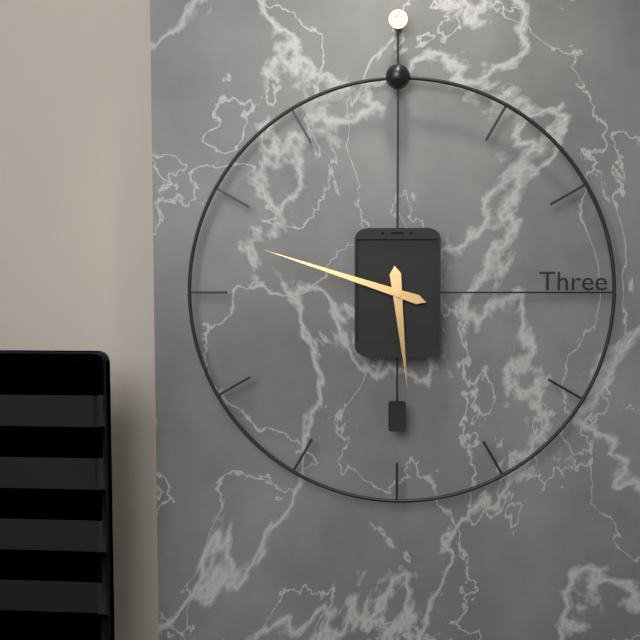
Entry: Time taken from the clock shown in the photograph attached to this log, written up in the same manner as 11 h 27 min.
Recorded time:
5 h 48 min
